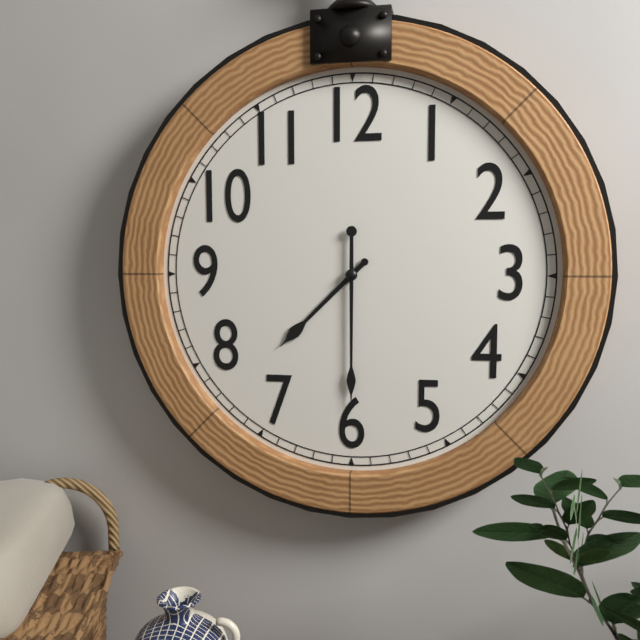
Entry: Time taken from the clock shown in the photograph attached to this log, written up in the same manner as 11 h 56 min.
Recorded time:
7 h 30 min
